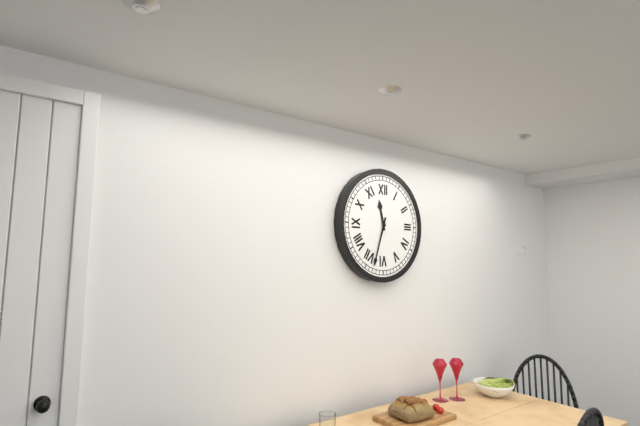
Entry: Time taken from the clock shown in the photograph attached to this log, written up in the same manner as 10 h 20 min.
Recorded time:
11 h 33 min
